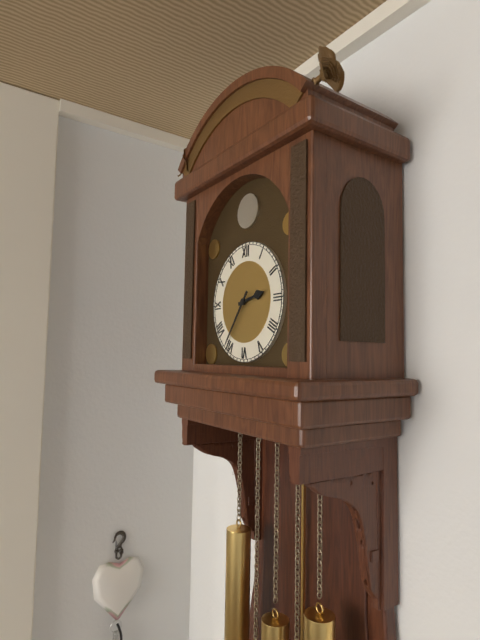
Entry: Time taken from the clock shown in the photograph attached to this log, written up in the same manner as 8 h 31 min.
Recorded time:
2 h 36 min
